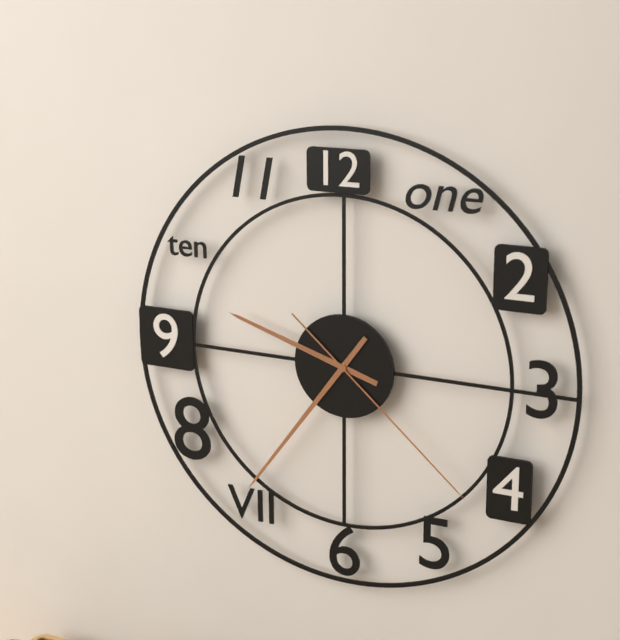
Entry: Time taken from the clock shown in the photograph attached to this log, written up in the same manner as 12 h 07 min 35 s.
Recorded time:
9 h 36 min 22 s
